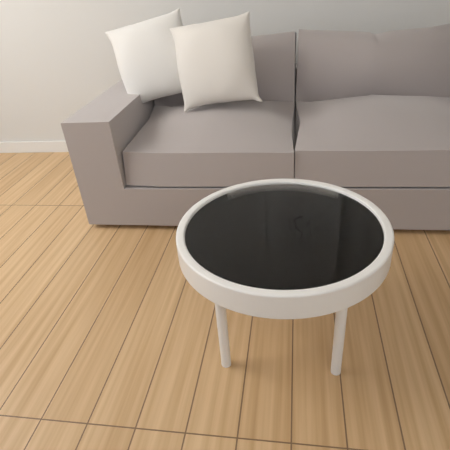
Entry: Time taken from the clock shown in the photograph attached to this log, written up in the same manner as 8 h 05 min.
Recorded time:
6 h 35 min
